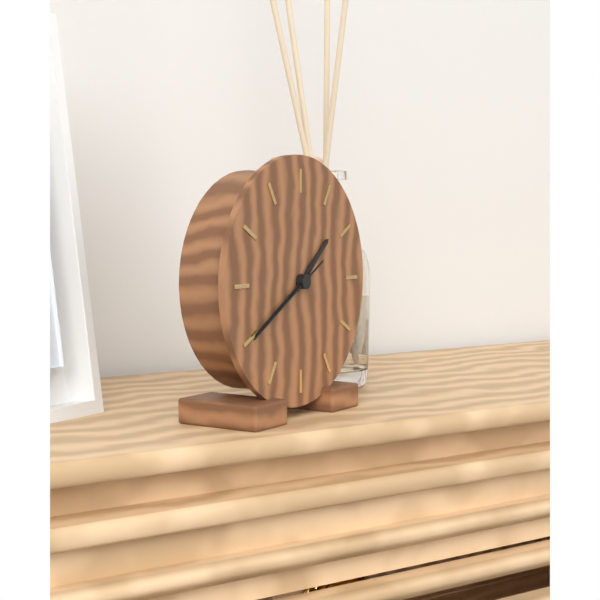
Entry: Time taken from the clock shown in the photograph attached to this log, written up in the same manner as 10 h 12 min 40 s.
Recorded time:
1 h 40 min 40 s
